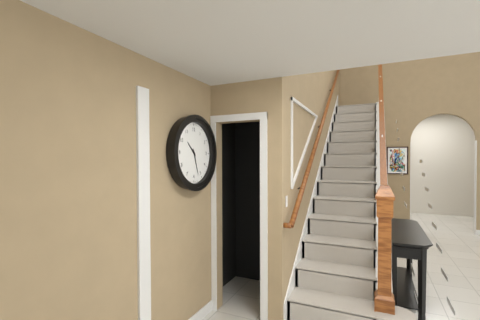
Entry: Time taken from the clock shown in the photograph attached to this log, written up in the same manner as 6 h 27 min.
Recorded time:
10 h 27 min
